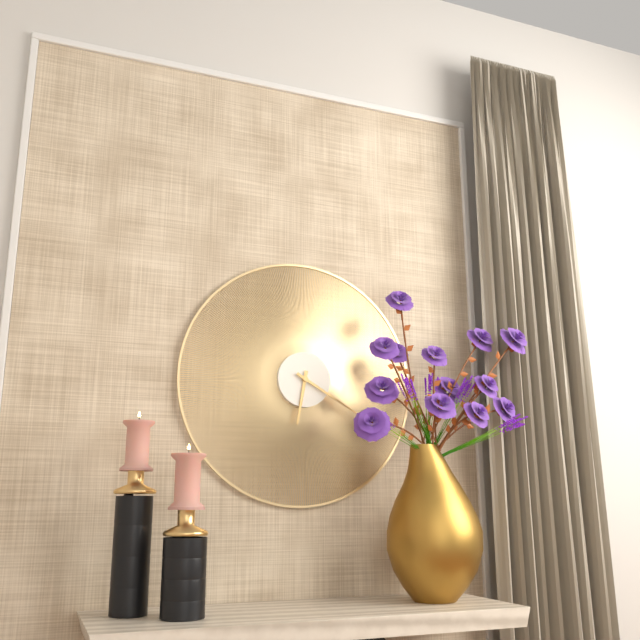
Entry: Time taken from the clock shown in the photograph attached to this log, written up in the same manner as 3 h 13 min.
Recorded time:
6 h 20 min
